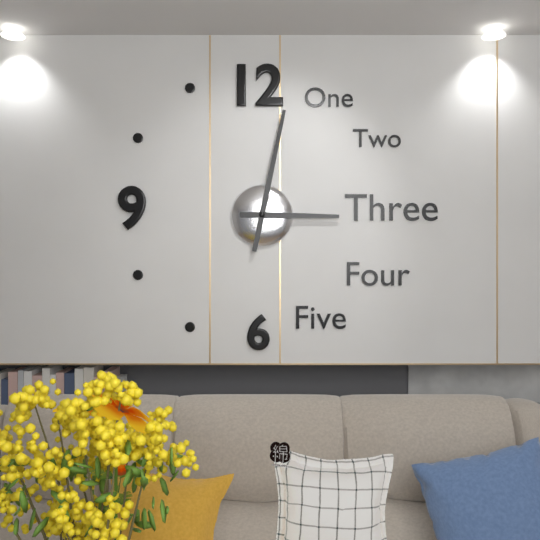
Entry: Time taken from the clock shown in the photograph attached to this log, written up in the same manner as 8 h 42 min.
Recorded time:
3 h 02 min
